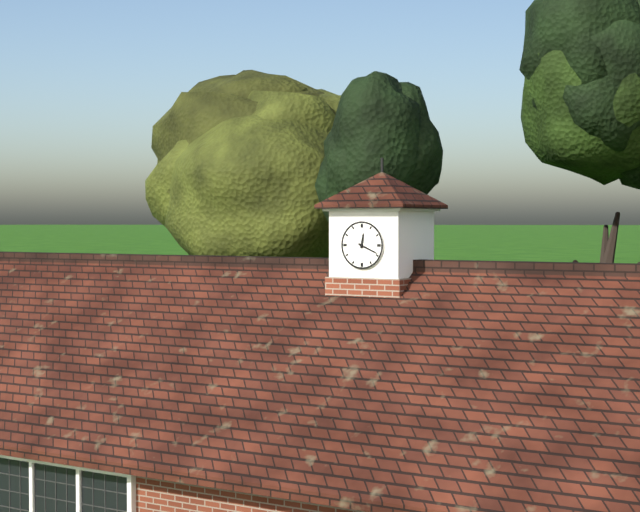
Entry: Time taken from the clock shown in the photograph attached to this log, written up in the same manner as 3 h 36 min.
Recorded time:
12 h 19 min
